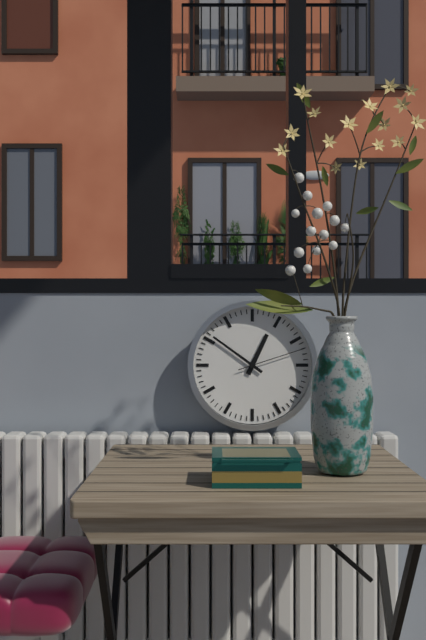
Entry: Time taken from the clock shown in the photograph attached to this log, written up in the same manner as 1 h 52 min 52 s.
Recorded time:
12 h 51 min 12 s
